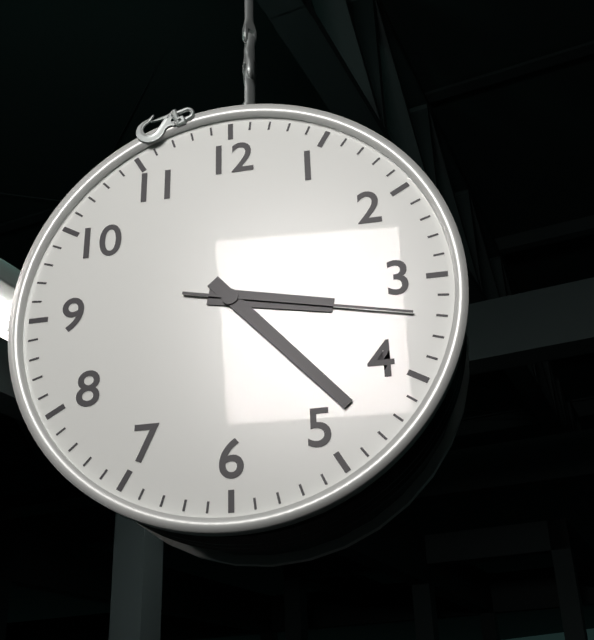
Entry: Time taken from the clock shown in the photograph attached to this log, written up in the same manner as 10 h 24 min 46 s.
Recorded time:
3 h 23 min 17 s
